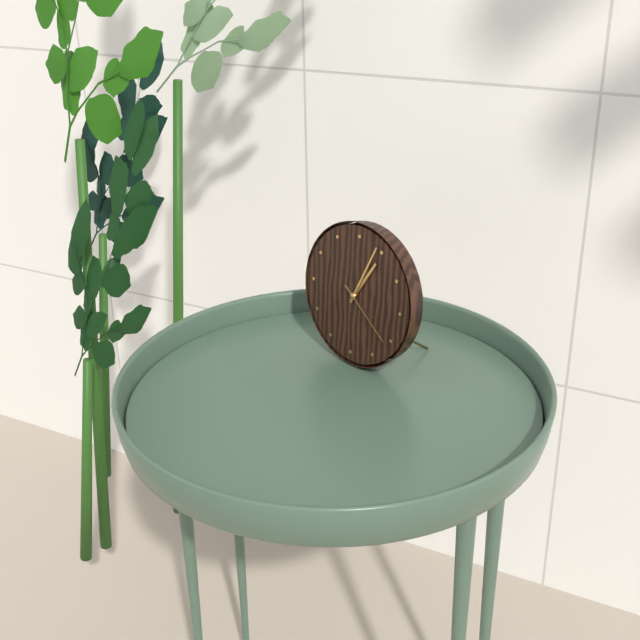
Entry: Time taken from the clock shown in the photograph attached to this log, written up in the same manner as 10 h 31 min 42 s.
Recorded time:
1 h 04 min 21 s
